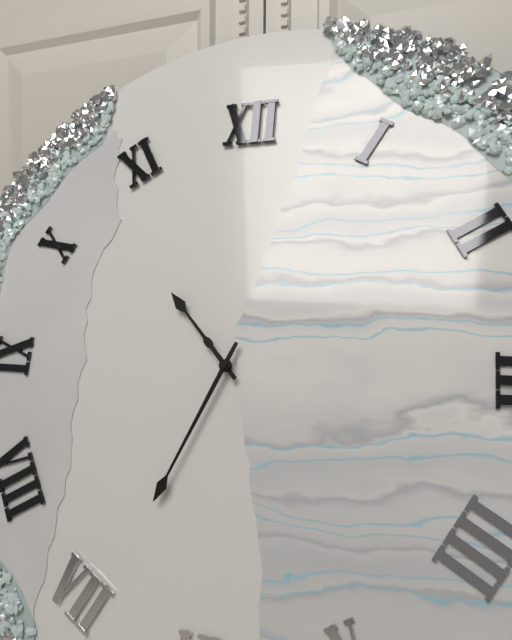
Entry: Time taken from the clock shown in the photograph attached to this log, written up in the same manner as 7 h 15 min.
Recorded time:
10 h 34 min
